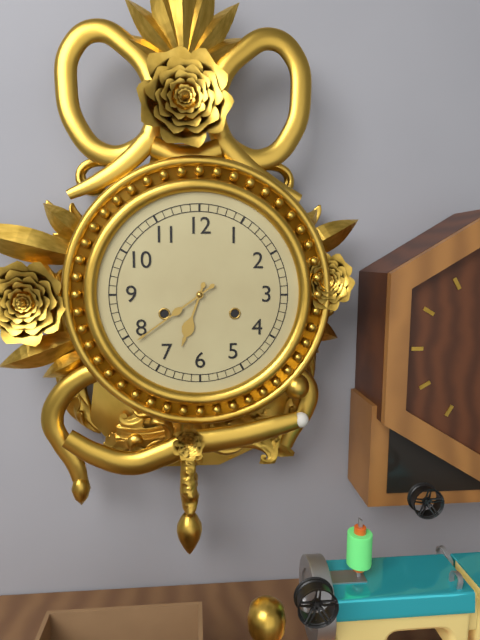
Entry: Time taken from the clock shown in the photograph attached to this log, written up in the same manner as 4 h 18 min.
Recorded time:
6 h 39 min
